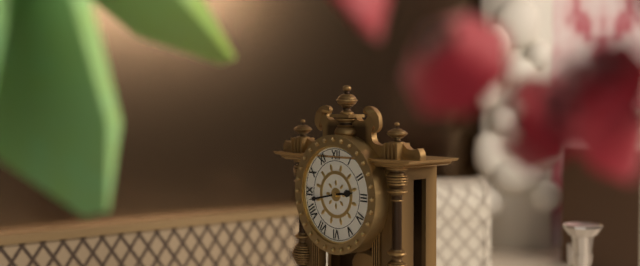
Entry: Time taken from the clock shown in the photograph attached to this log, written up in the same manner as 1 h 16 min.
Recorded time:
2 h 43 min
